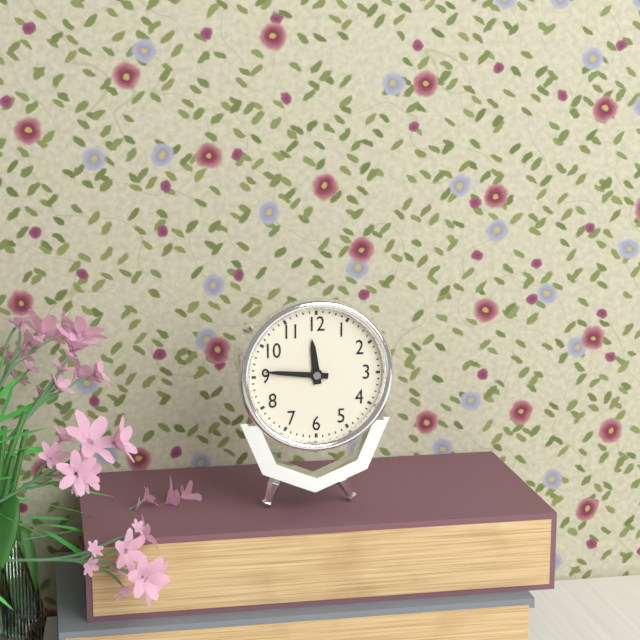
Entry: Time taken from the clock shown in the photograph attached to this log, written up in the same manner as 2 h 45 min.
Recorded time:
11 h 46 min
